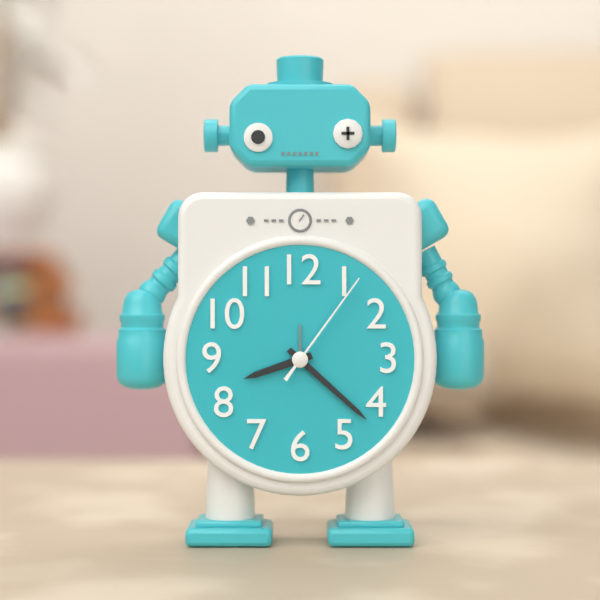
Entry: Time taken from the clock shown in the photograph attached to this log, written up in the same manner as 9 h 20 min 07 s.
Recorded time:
8 h 22 min 06 s
